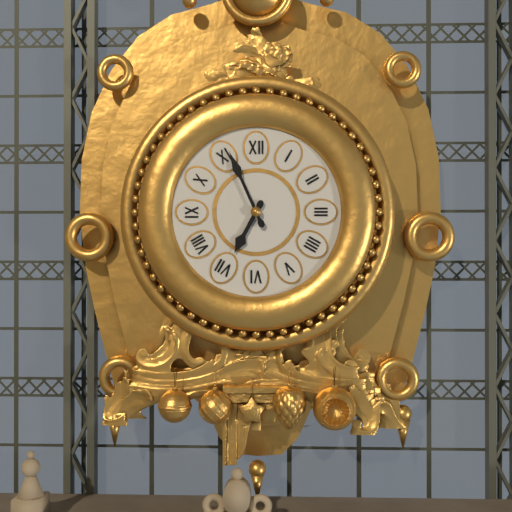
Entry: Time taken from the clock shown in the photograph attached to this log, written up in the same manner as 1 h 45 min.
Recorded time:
6 h 56 min
